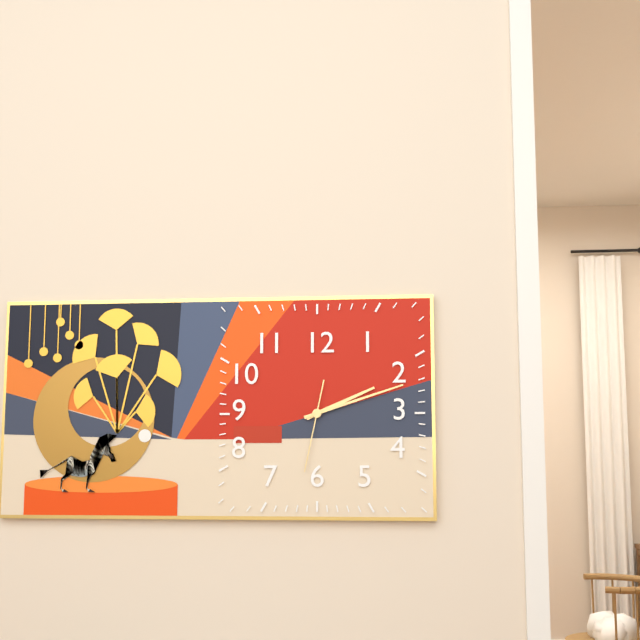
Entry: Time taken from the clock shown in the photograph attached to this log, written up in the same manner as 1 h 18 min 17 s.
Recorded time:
2 h 12 min 32 s
